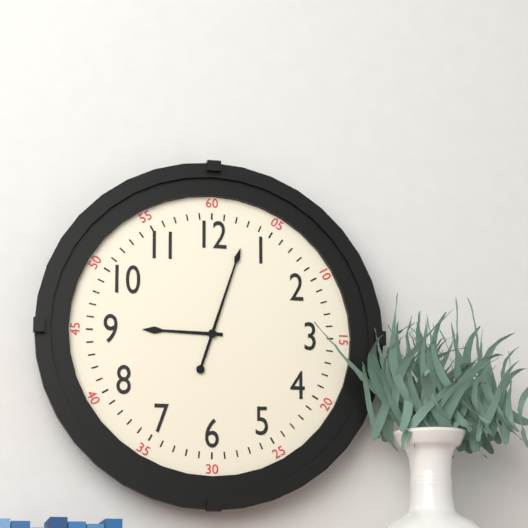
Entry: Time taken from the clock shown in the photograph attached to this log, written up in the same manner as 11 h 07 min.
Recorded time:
9 h 03 min
